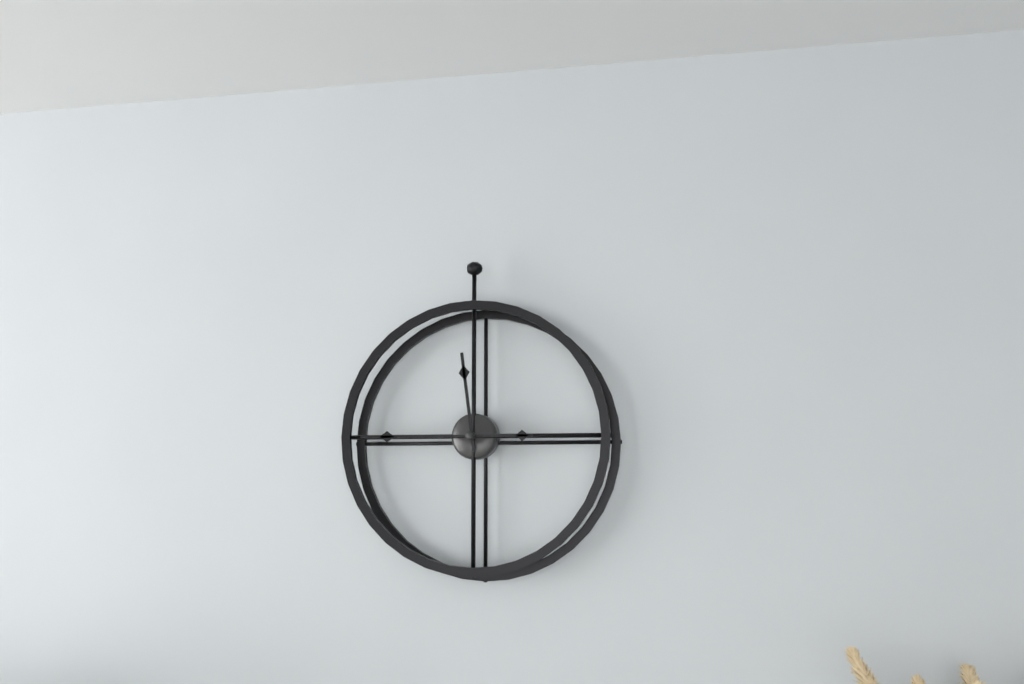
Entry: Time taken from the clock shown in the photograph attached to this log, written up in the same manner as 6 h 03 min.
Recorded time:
11 h 45 min
